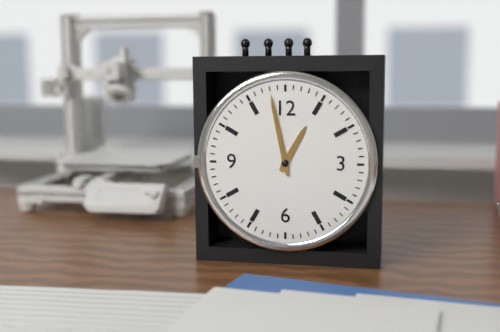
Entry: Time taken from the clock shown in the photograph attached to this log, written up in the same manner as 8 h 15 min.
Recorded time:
12 h 58 min
